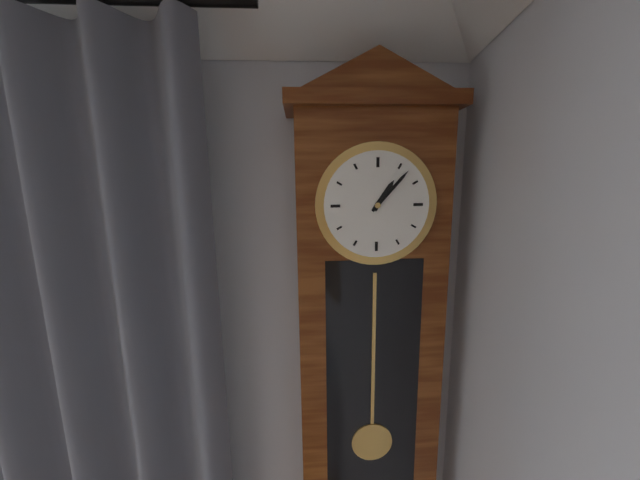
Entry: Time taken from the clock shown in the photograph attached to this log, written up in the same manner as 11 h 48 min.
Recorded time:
1 h 07 min
